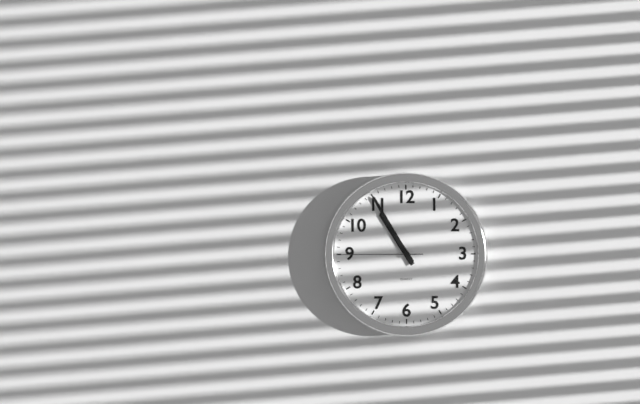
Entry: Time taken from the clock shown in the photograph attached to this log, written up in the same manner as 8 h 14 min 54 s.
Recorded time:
10 h 55 min 45 s
